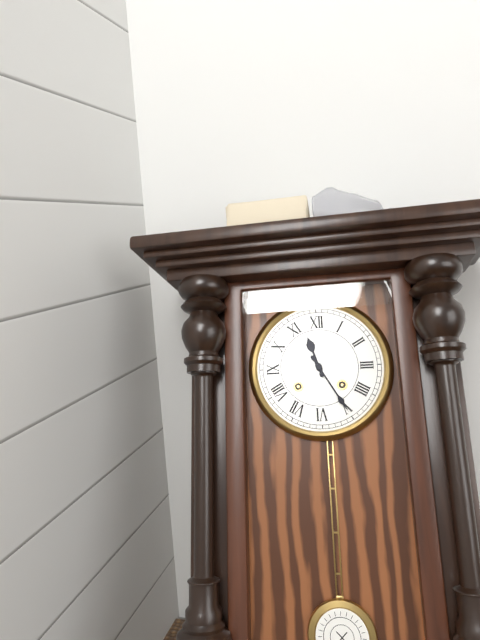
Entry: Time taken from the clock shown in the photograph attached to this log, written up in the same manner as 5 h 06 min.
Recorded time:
11 h 25 min
